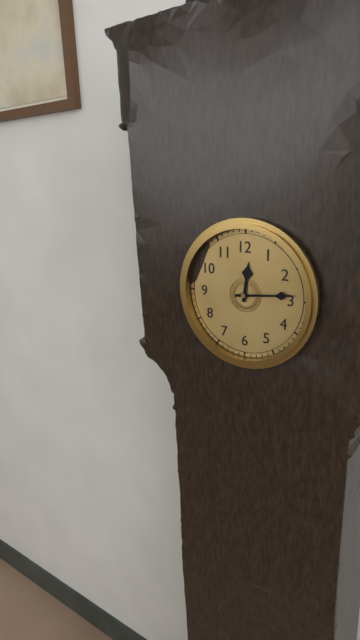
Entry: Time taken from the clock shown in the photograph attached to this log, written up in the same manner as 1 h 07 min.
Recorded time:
12 h 14 min
